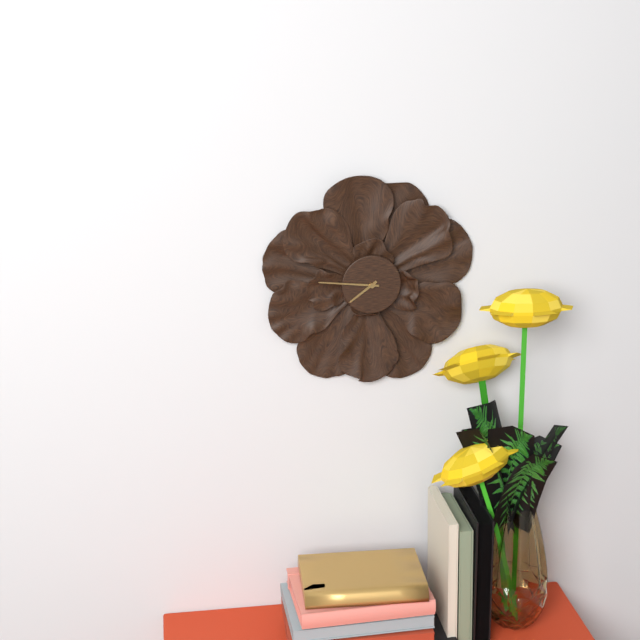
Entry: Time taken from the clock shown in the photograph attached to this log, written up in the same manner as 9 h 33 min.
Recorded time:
7 h 46 min
